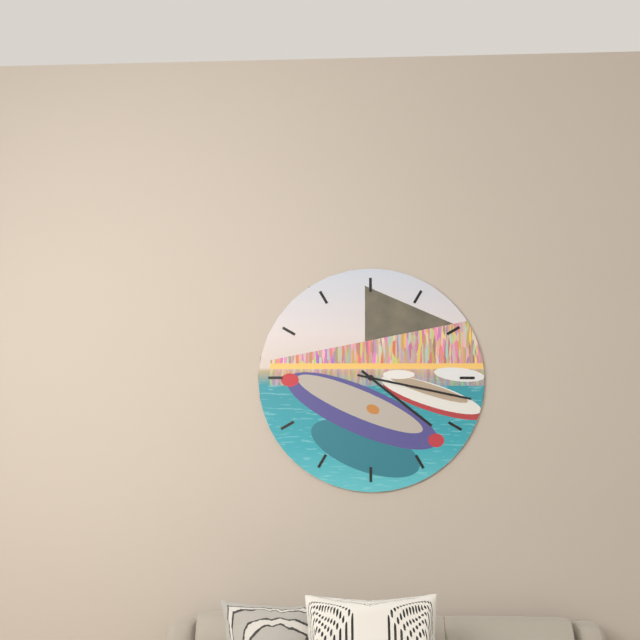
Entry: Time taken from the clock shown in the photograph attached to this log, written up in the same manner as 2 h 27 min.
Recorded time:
4 h 17 min
